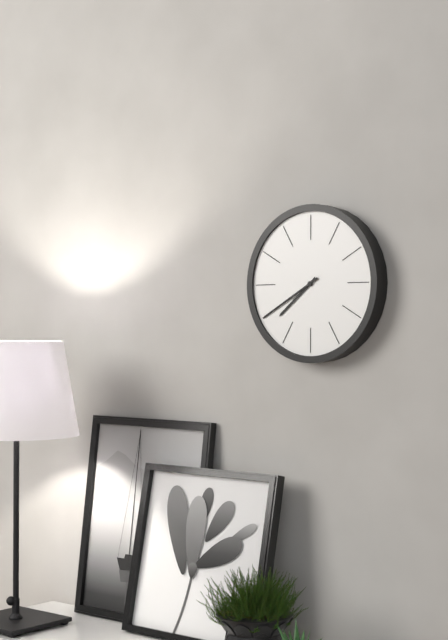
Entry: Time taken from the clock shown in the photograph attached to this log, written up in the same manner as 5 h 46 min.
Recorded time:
7 h 40 min
